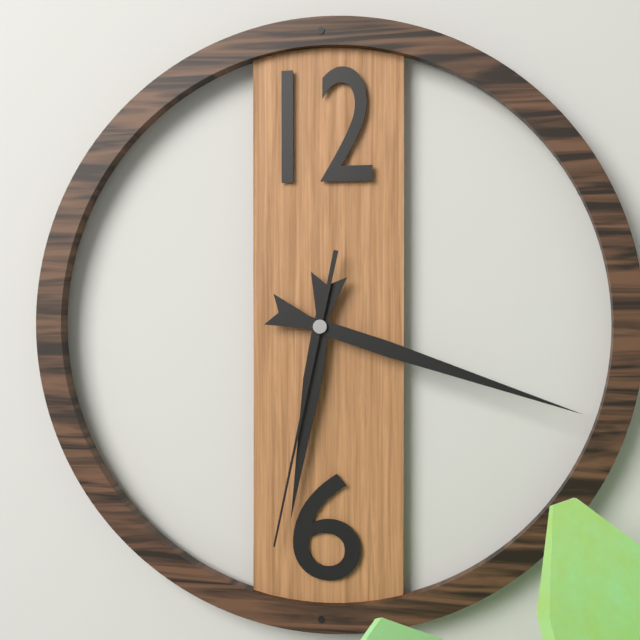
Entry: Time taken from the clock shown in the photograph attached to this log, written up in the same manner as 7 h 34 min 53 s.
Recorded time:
6 h 18 min 32 s
